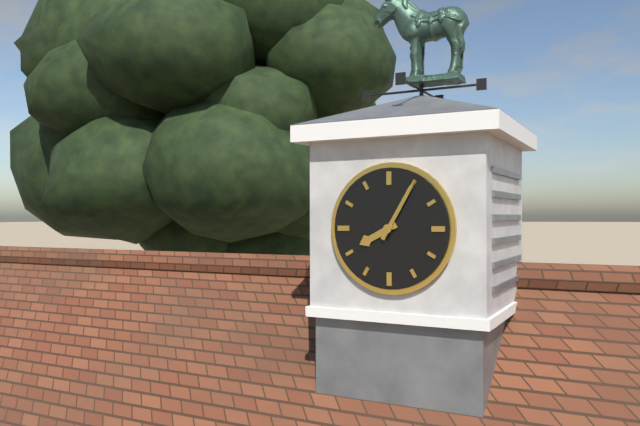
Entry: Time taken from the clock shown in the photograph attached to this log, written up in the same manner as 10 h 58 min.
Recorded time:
8 h 05 min
